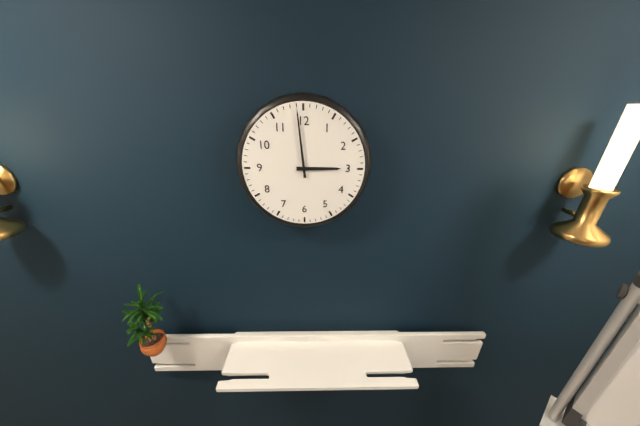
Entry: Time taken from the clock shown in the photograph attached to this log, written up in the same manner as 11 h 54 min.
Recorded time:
2 h 59 min
